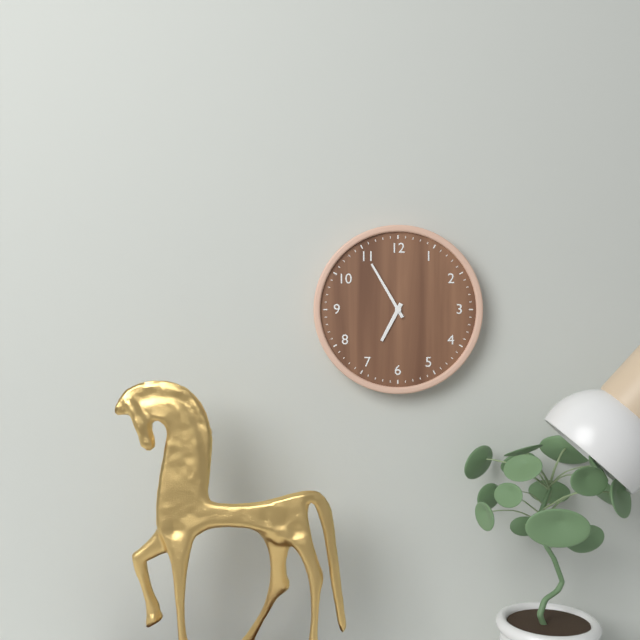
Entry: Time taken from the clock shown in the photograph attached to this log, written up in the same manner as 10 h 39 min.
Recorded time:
6 h 55 min
